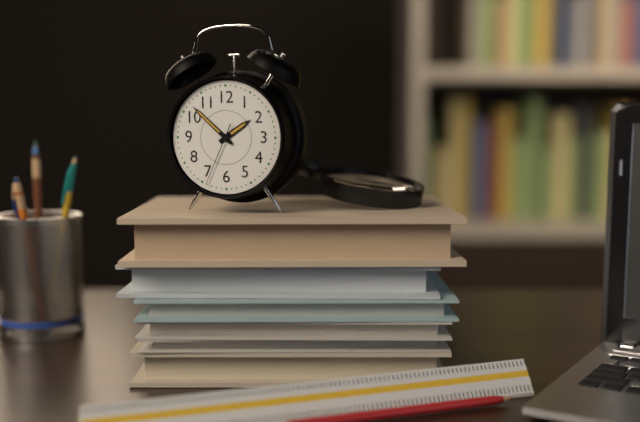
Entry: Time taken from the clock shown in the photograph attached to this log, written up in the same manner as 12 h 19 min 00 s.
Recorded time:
1 h 52 min 34 s
